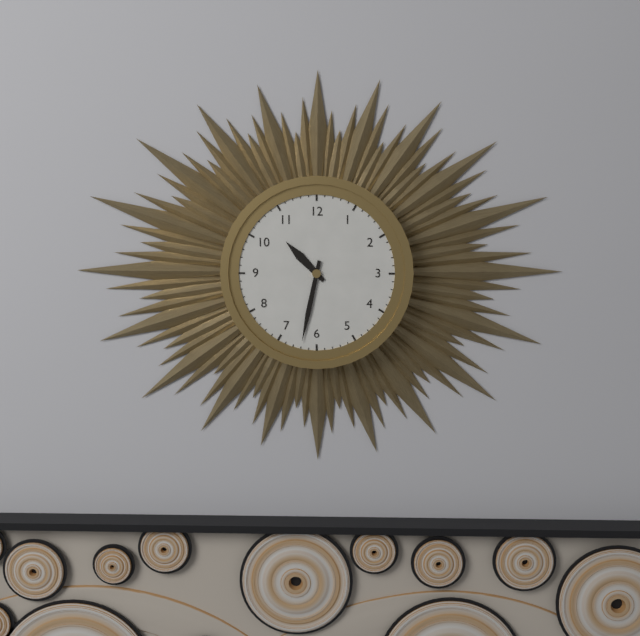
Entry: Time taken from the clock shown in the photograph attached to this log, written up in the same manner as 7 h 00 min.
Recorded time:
10 h 32 min
